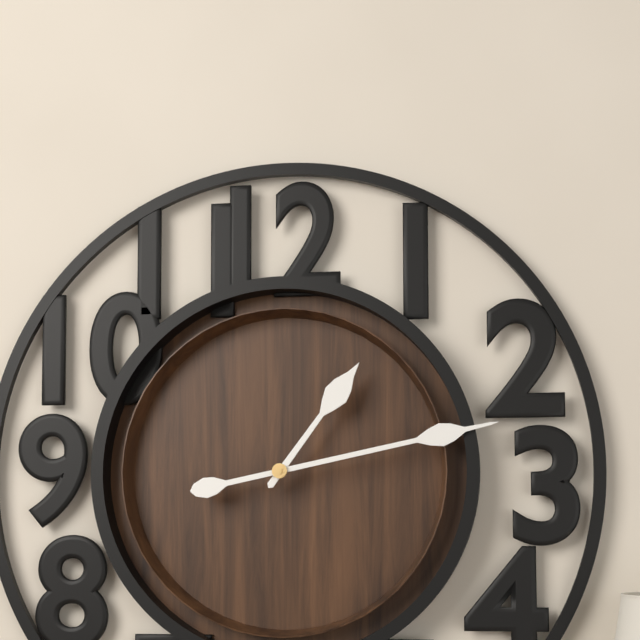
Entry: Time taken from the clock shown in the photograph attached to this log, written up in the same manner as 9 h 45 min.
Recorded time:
1 h 13 min
